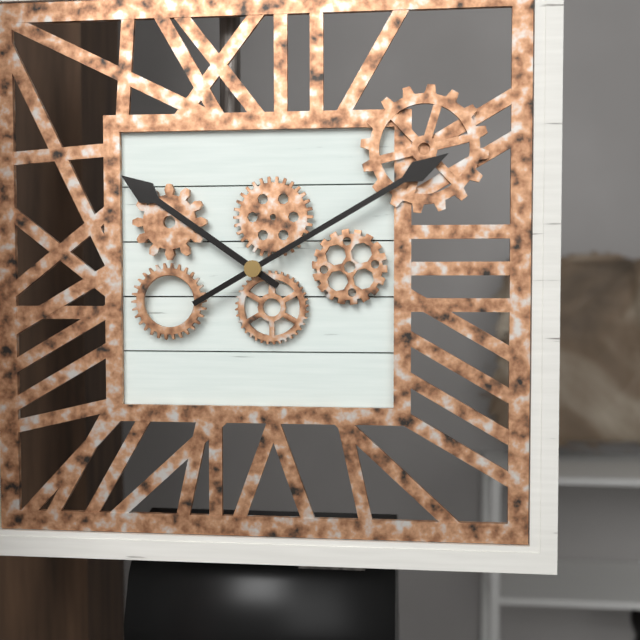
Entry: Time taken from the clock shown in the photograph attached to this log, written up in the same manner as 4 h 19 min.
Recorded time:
10 h 10 min
